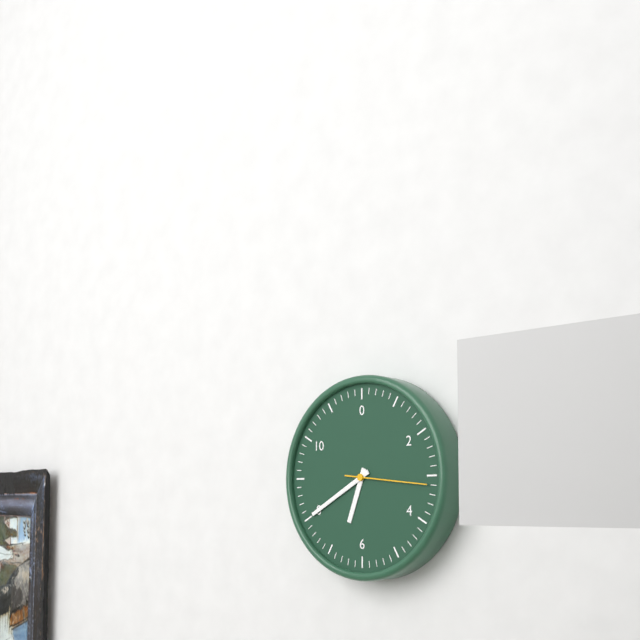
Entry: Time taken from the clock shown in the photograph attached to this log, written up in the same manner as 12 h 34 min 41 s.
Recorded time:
6 h 40 min 16 s
